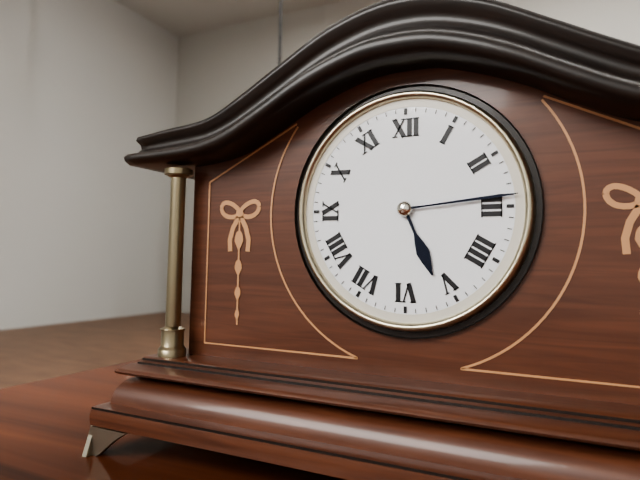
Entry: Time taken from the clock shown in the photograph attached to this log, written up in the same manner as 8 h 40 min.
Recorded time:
5 h 14 min
